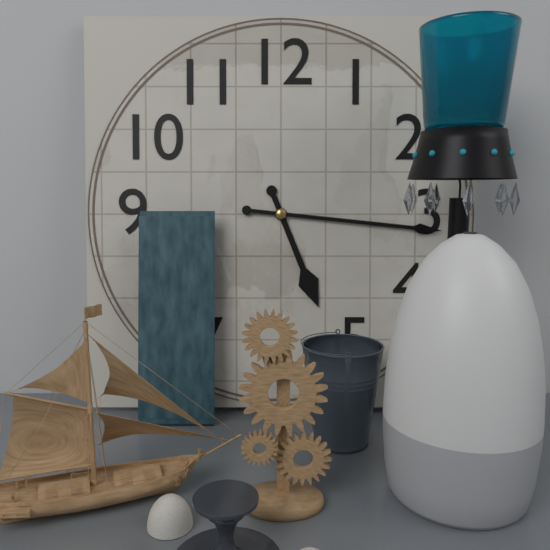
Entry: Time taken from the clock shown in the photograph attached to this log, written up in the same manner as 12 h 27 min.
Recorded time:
5 h 16 min
